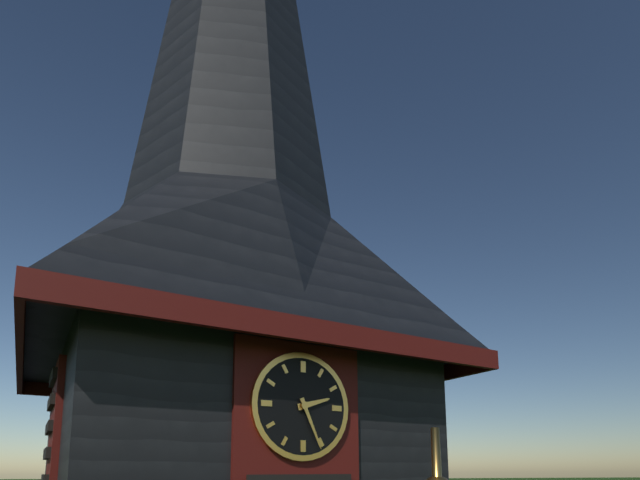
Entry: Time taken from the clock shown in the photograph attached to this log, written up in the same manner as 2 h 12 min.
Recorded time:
2 h 26 min
